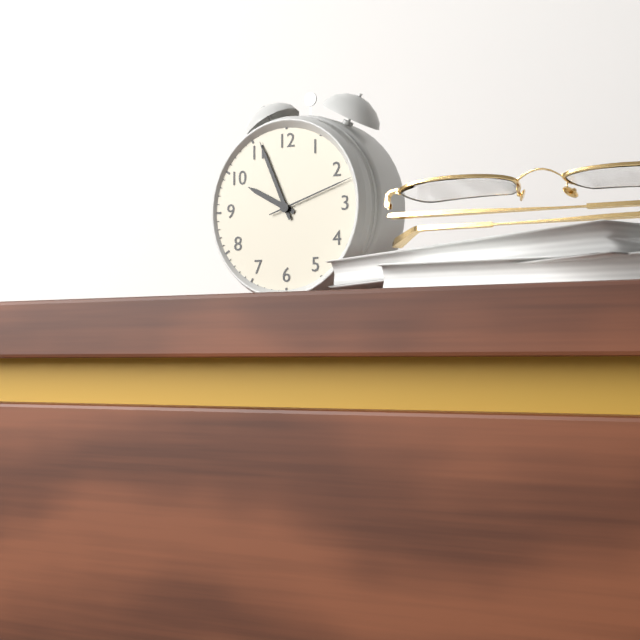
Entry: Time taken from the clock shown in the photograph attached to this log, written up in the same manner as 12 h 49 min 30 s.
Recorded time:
9 h 56 min 12 s
